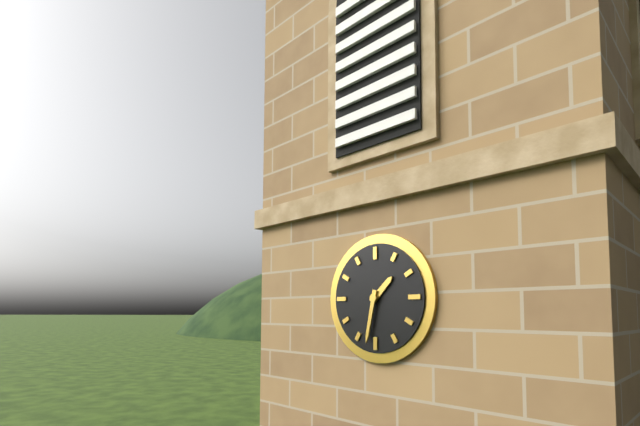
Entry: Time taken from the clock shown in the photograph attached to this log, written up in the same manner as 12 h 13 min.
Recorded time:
1 h 32 min
